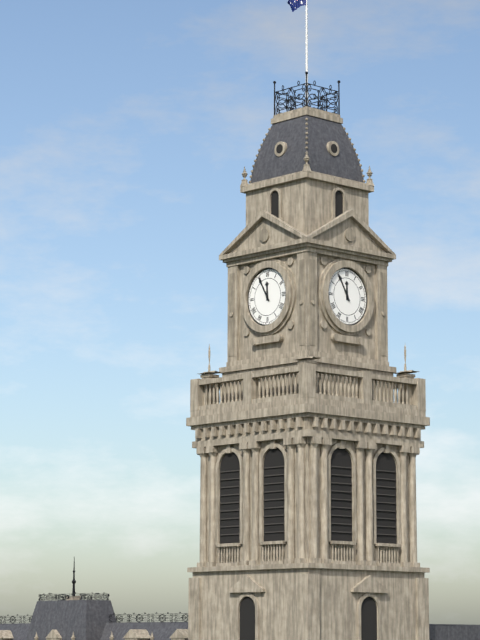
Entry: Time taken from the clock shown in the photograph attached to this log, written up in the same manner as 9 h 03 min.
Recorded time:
11 h 55 min
